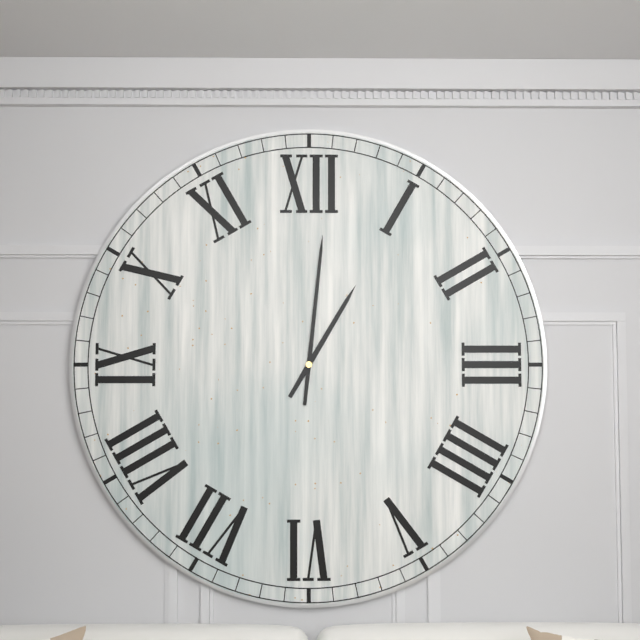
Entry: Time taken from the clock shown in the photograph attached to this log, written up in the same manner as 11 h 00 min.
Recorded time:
1 h 01 min
